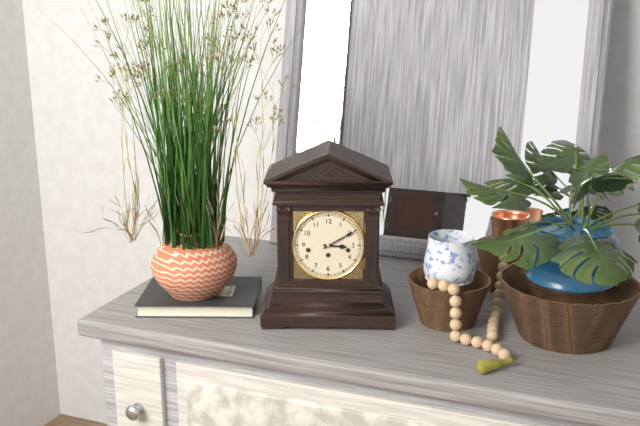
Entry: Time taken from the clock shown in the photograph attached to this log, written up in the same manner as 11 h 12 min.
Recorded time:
3 h 10 min
